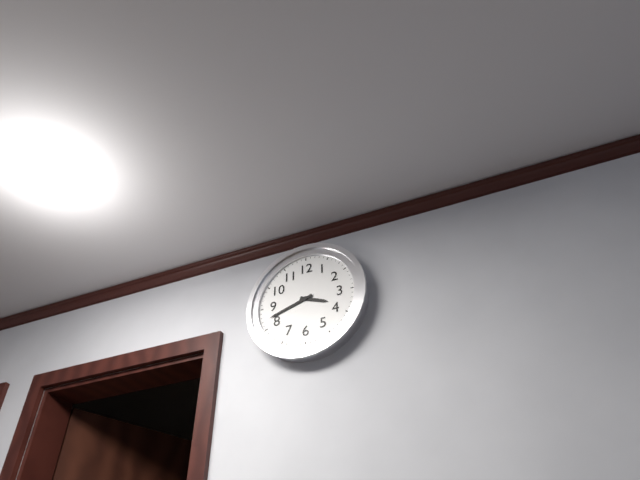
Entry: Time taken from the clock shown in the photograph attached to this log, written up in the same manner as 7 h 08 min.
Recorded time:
3 h 42 min
